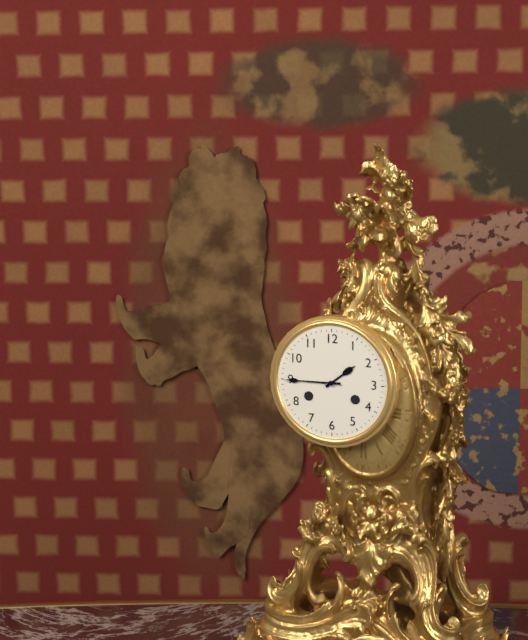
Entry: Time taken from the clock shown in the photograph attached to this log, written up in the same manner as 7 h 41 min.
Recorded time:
1 h 45 min
